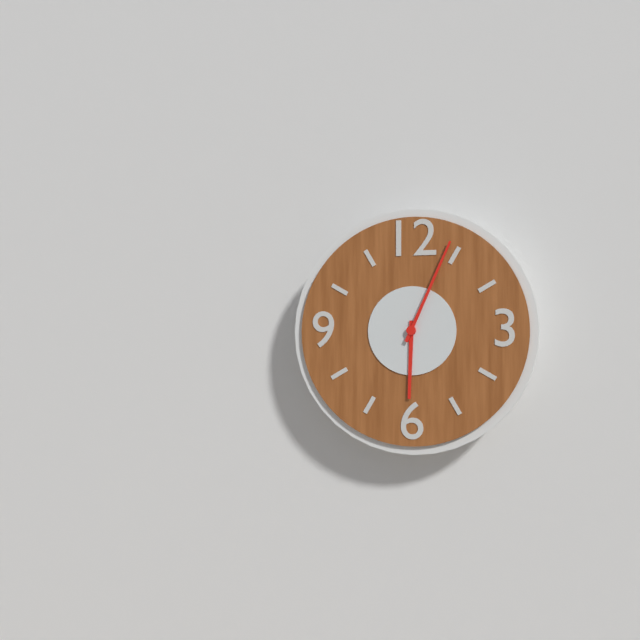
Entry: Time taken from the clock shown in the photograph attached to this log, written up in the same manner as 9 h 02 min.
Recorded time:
6 h 04 min
